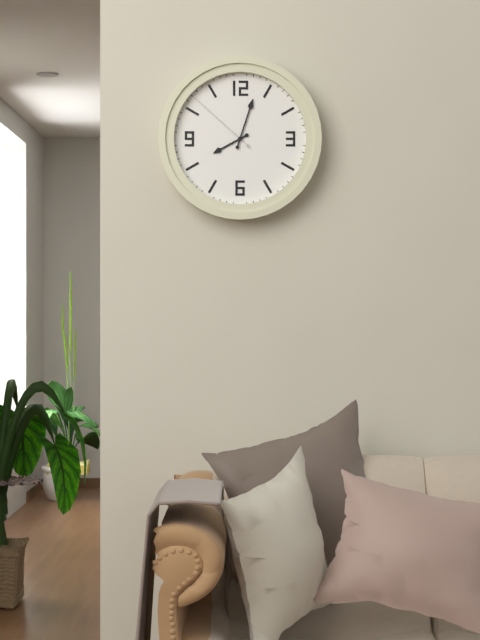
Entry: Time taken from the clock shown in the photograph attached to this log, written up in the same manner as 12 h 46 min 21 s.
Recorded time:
8 h 03 min 52 s
